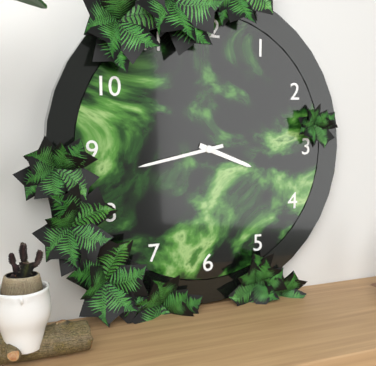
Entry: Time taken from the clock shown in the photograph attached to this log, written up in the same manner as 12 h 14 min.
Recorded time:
3 h 43 min
